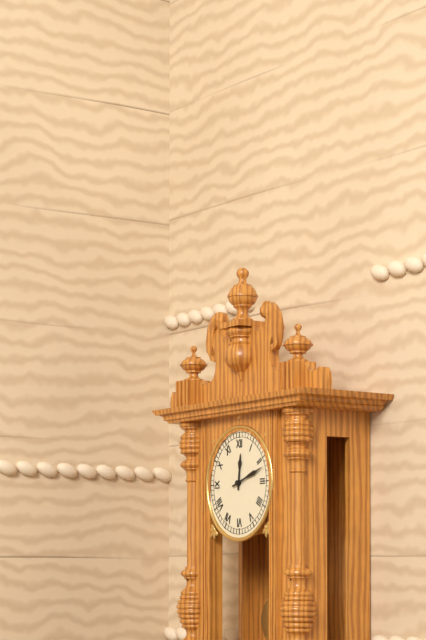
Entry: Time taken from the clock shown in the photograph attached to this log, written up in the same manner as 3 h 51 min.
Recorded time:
12 h 12 min
